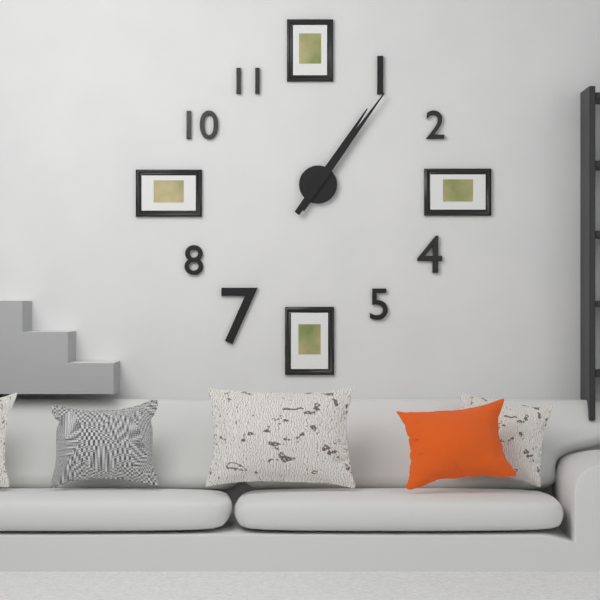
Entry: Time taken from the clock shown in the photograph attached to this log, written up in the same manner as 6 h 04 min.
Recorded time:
1 h 06 min
